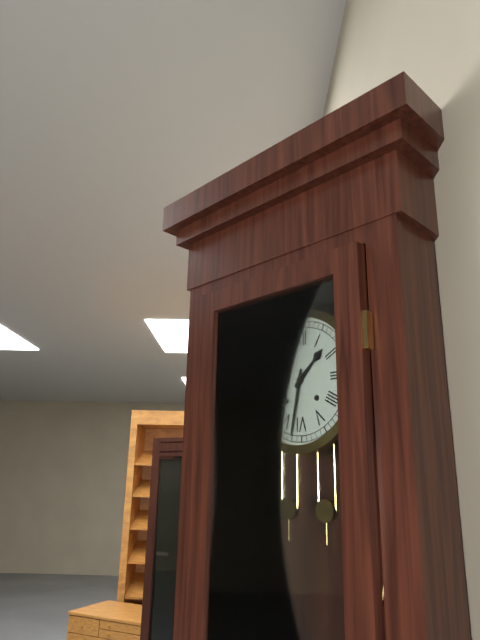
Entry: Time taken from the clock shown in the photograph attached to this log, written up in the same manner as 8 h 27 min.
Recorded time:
1 h 32 min
